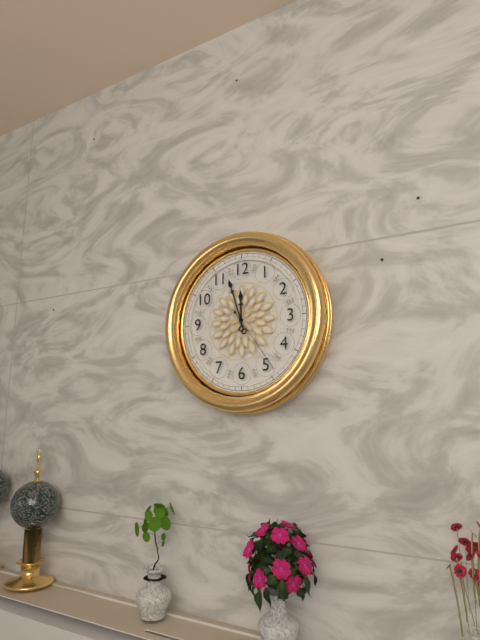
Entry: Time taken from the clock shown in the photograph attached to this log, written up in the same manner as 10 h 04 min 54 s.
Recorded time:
11 h 57 min 24 s
